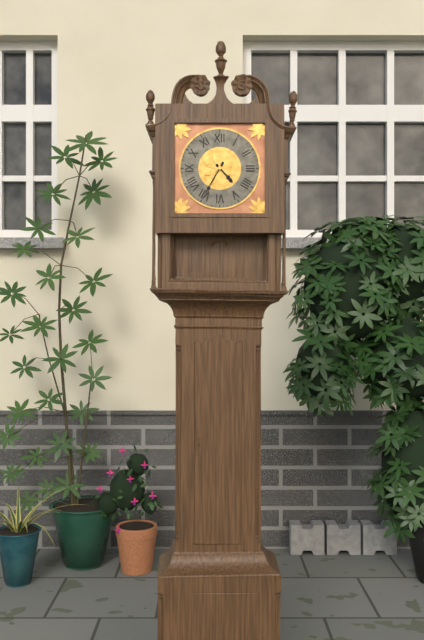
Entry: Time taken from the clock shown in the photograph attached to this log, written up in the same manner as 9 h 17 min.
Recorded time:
4 h 35 min
